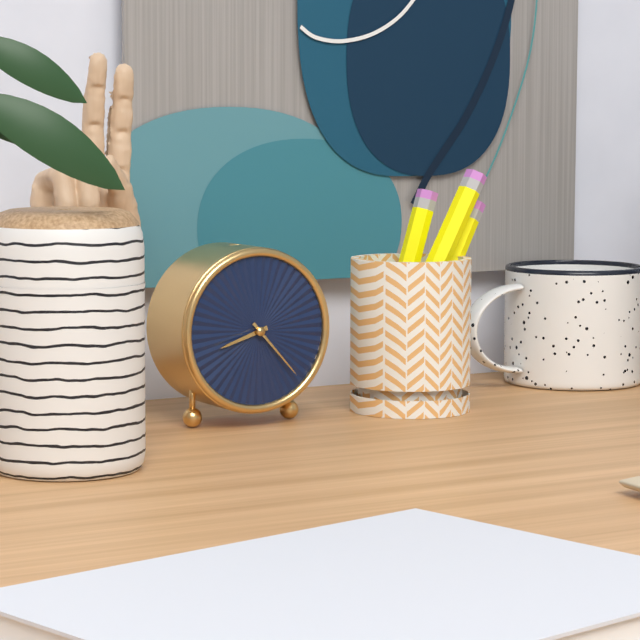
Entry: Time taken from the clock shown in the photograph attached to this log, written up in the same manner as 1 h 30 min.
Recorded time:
8 h 23 min
